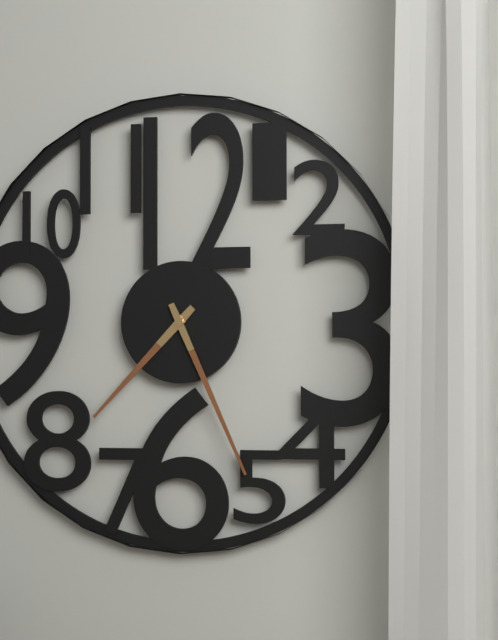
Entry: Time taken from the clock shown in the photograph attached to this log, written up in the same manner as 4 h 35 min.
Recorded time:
7 h 26 min
